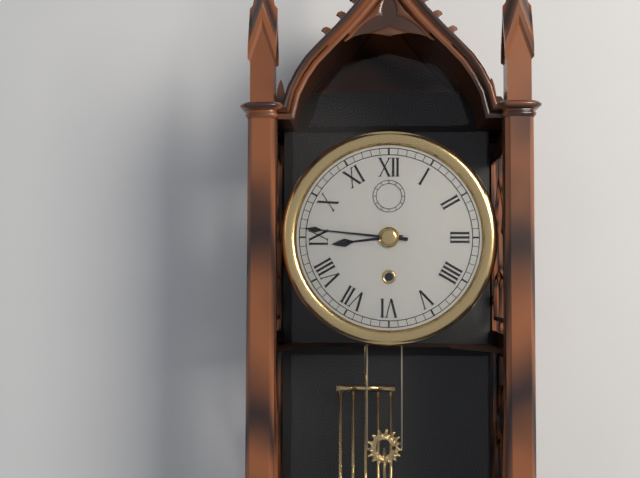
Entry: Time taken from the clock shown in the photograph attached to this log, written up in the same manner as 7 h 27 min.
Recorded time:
8 h 46 min
